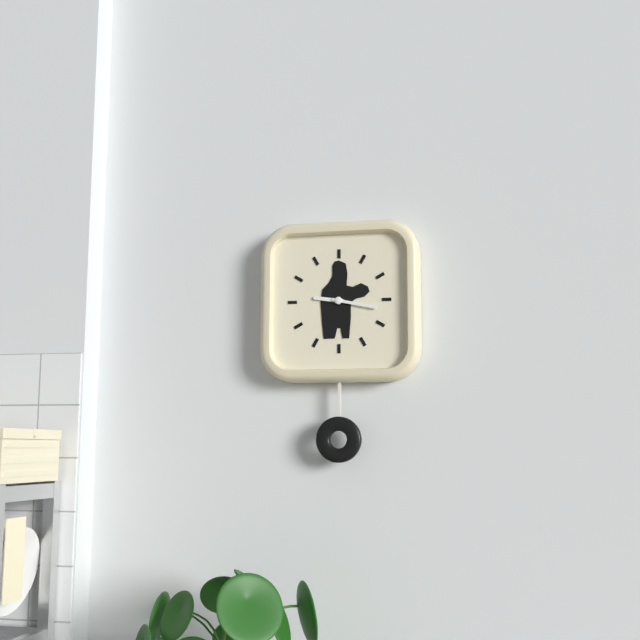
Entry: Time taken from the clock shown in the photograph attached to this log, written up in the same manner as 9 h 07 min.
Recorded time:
9 h 17 min
